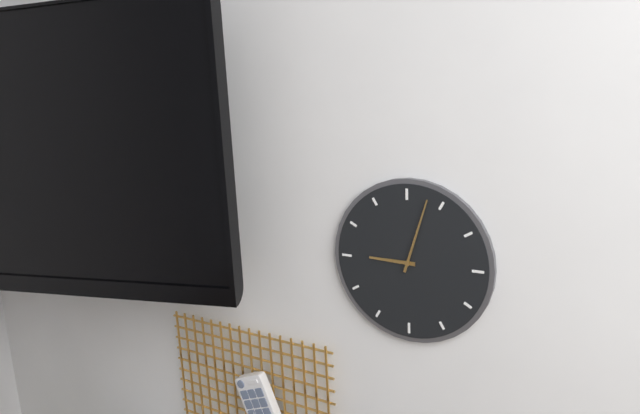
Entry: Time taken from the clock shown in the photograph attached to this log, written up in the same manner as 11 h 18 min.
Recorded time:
9 h 03 min
